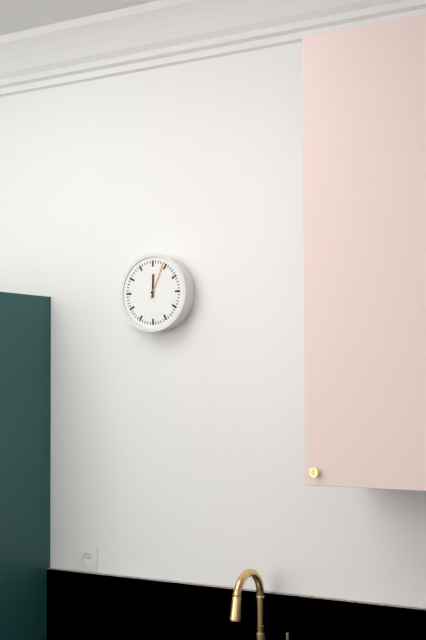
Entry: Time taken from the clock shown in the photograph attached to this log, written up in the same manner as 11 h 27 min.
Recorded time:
12 h 04 min
